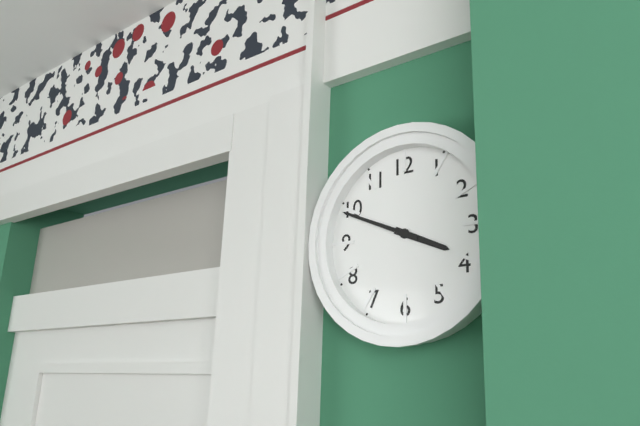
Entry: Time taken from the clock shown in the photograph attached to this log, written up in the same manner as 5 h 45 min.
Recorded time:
3 h 49 min
